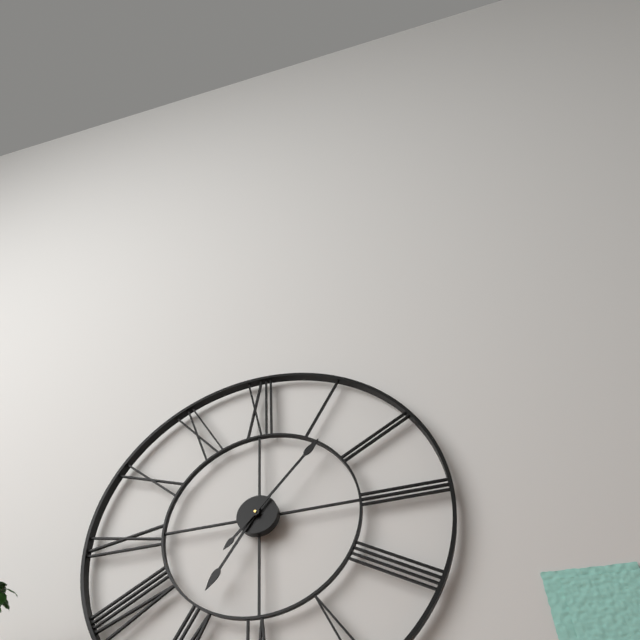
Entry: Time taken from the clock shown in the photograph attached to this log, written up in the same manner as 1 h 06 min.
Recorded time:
7 h 07 min
